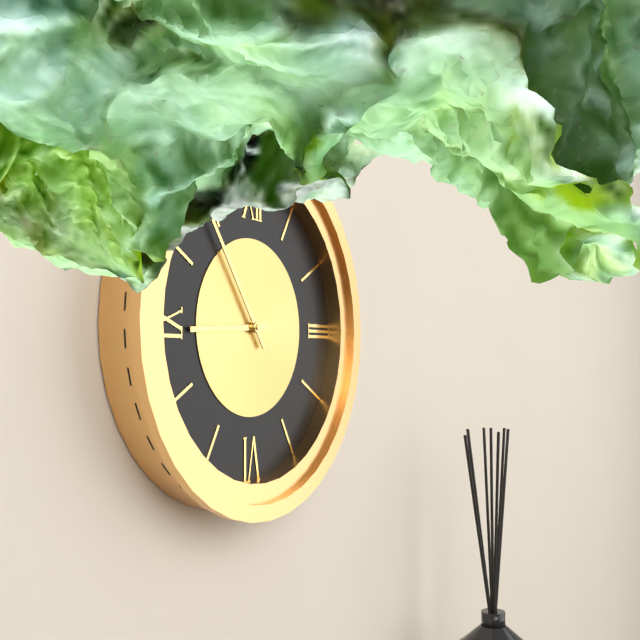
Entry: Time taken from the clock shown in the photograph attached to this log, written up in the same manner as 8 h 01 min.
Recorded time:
8 h 54 min
